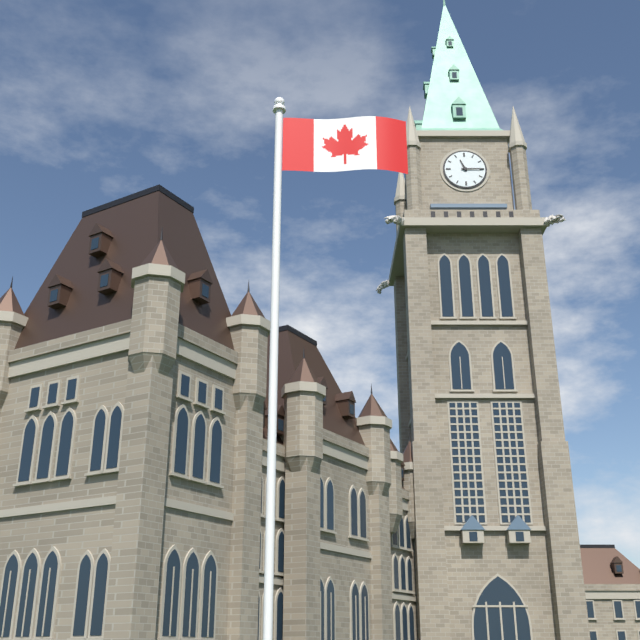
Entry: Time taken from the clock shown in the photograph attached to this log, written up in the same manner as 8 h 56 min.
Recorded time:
11 h 15 min
